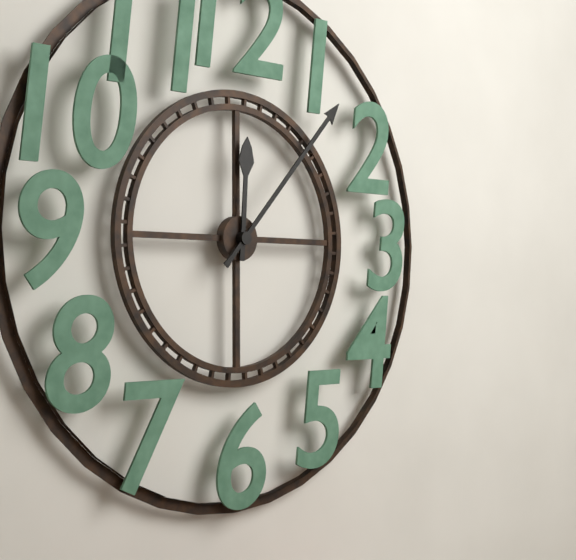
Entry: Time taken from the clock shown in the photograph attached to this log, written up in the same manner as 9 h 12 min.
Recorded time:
12 h 07 min
